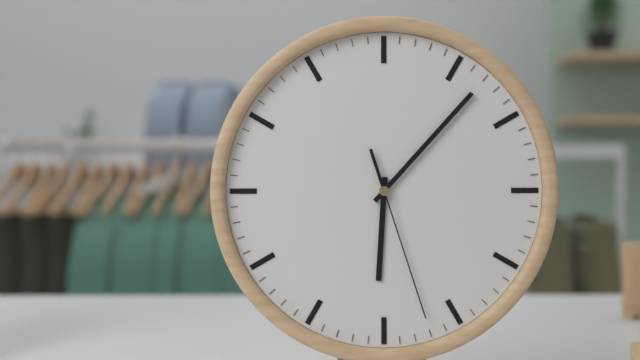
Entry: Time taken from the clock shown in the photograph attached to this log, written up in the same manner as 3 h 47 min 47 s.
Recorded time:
6 h 07 min 27 s
